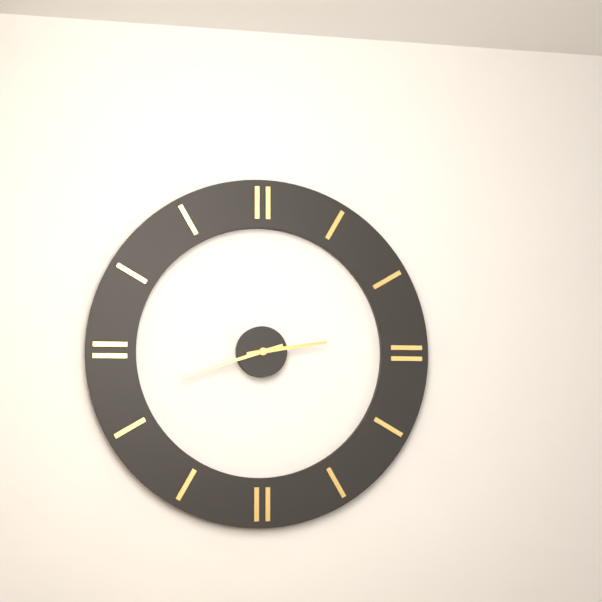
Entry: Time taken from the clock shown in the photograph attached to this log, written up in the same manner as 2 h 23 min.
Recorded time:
2 h 42 min
